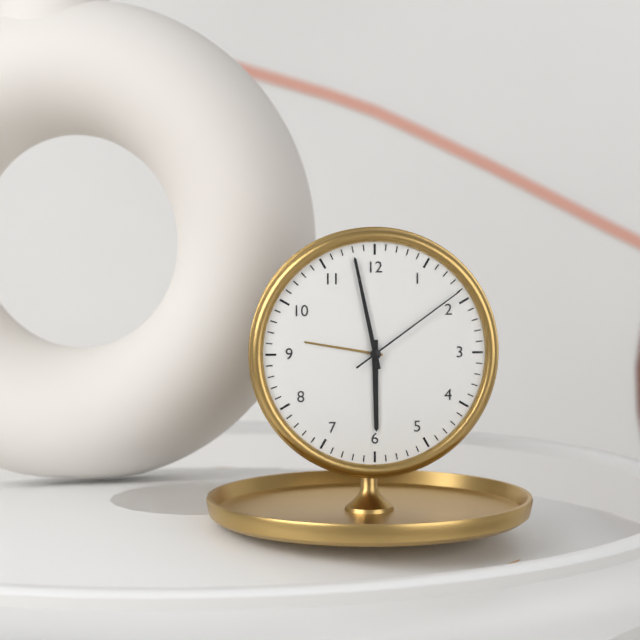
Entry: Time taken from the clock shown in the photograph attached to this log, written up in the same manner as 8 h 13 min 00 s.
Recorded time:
5 h 58 min 09 s
